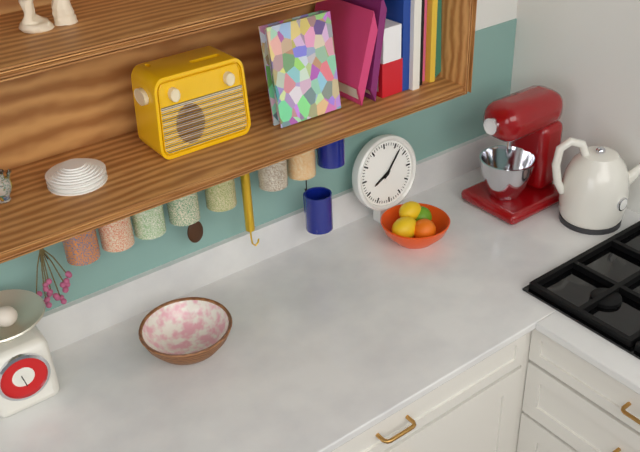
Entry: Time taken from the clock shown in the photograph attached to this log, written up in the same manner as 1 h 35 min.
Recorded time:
8 h 07 min
